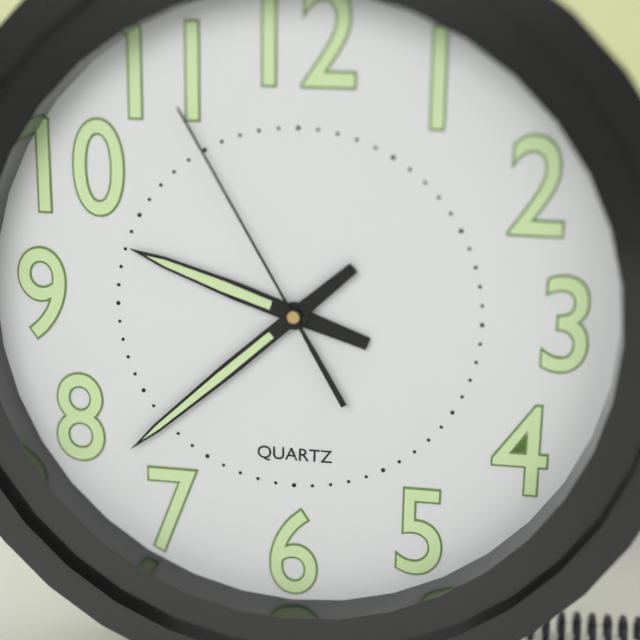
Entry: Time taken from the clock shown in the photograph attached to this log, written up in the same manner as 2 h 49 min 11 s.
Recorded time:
9 h 38 min 55 s
